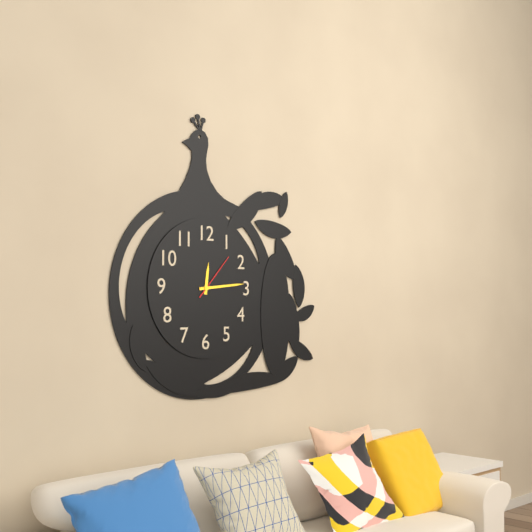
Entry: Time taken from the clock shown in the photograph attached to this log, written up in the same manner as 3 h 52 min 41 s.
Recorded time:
12 h 14 min 07 s
